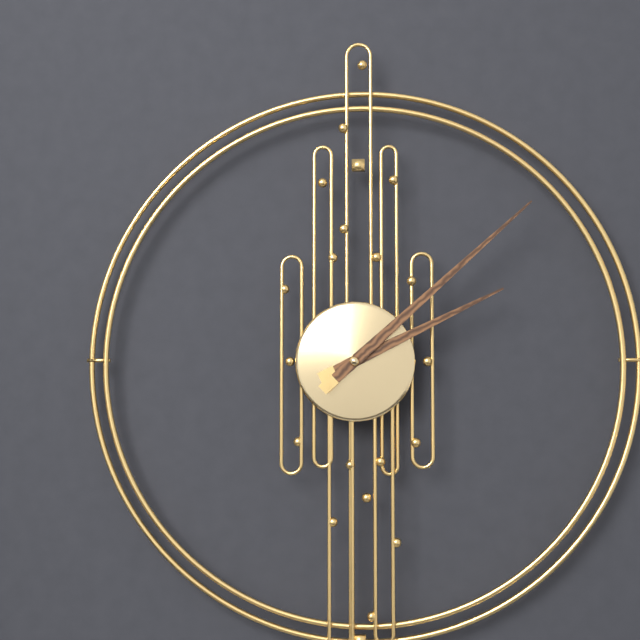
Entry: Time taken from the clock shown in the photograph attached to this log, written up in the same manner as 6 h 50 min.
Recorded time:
2 h 08 min
